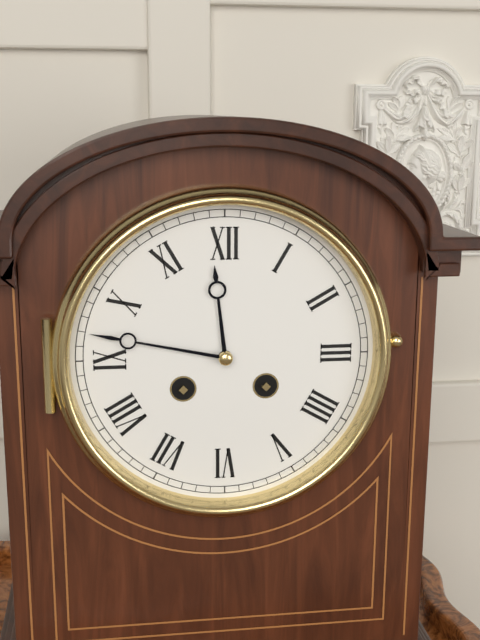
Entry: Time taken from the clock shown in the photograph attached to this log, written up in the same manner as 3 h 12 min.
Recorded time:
11 h 47 min
